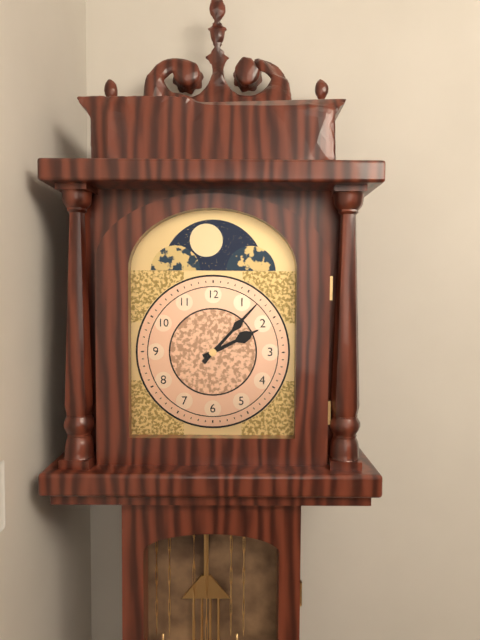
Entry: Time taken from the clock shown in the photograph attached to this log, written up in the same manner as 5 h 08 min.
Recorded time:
2 h 07 min
